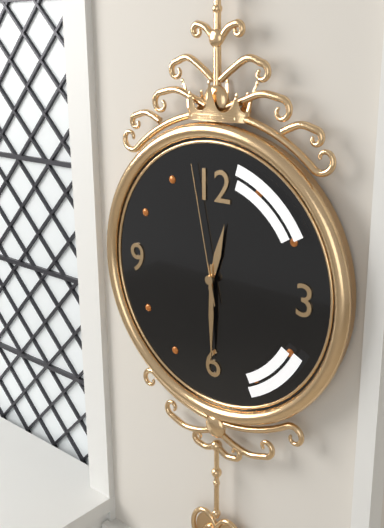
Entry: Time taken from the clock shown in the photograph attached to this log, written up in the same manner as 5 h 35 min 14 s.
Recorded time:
12 h 30 min 58 s
